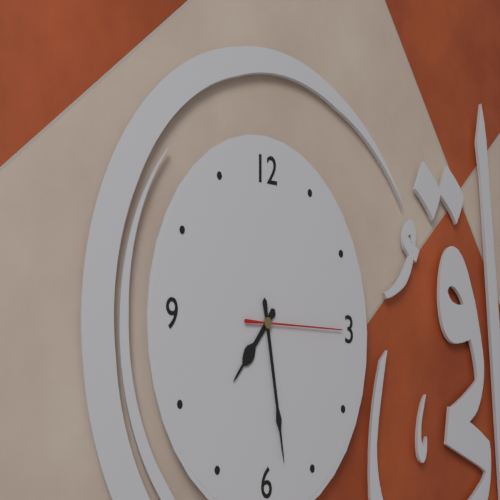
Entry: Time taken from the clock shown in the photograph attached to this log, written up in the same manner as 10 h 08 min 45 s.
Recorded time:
7 h 28 min 15 s
